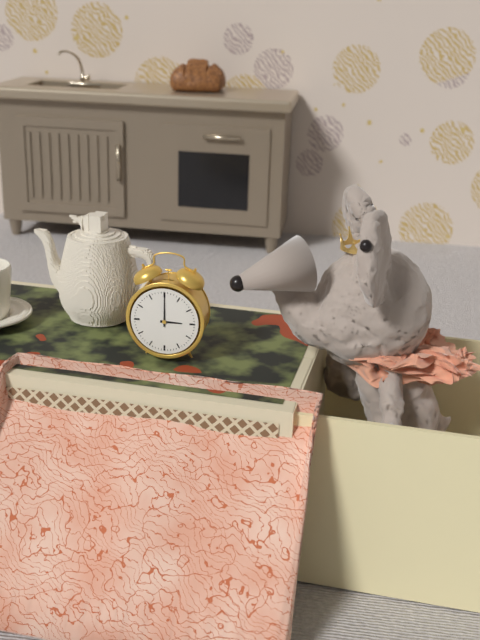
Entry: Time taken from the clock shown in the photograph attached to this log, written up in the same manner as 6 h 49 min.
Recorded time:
3 h 00 min
